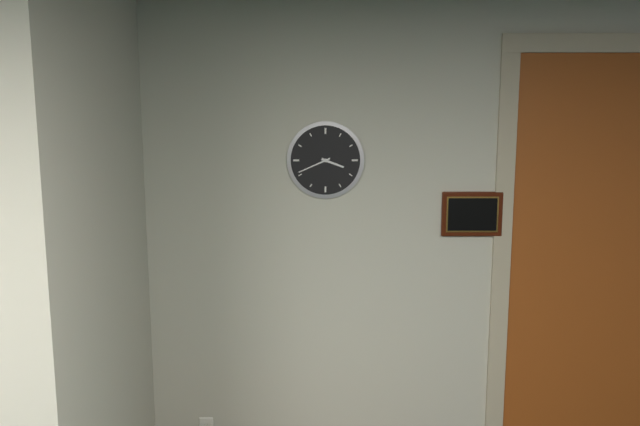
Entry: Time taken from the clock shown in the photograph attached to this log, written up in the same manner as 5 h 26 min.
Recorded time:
3 h 41 min
